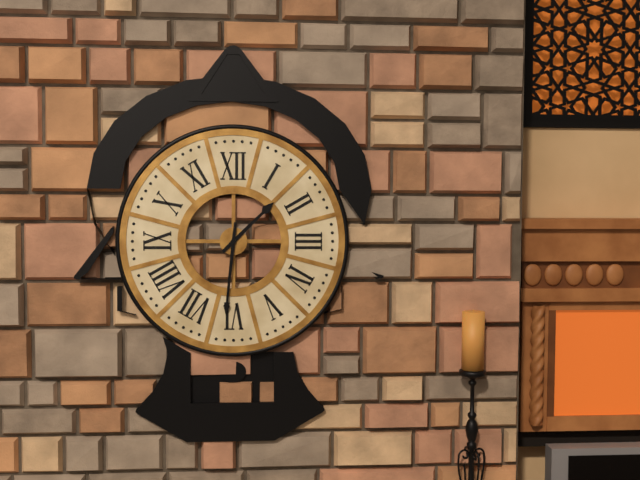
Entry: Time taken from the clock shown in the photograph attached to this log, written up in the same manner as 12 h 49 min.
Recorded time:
1 h 31 min
